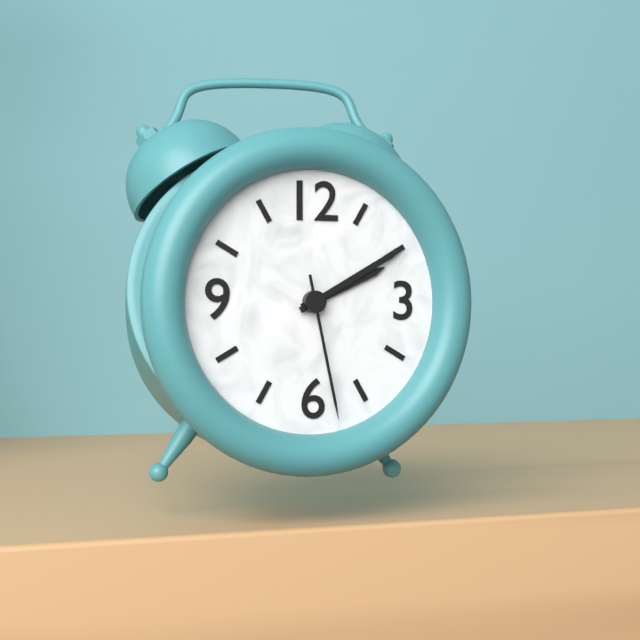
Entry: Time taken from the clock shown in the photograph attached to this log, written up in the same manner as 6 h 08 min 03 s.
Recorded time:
2 h 10 min 28 s
